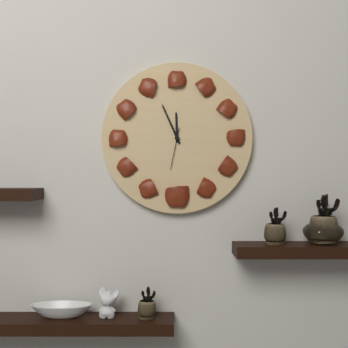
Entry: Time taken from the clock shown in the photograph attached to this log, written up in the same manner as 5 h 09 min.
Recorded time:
11 h 56 min
